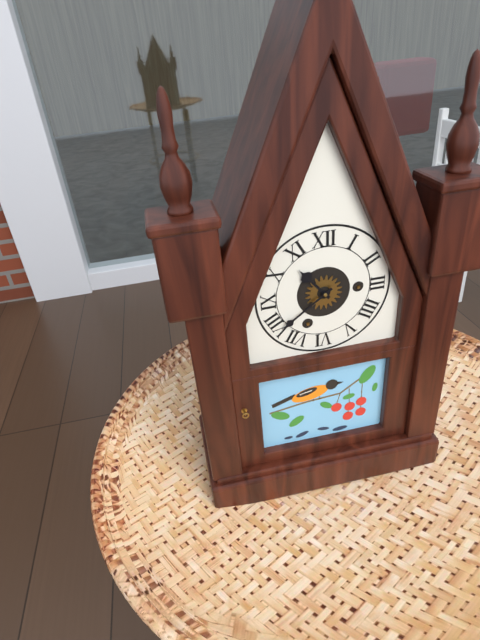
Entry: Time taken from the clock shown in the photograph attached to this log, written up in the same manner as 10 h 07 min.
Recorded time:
10 h 39 min
